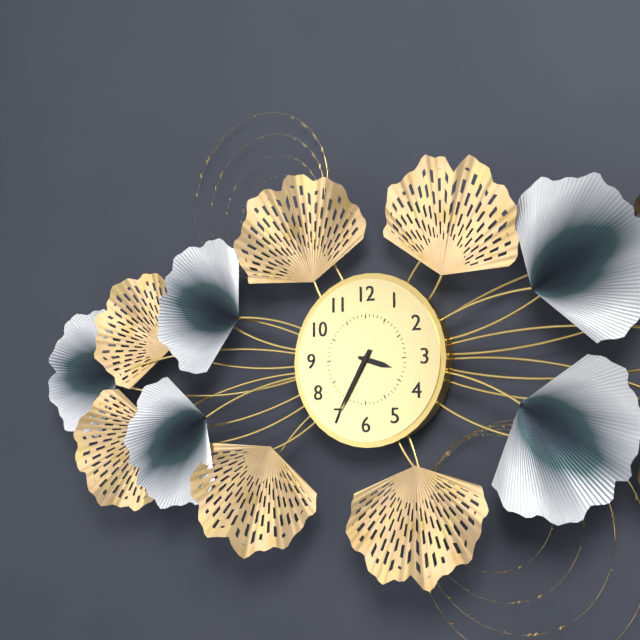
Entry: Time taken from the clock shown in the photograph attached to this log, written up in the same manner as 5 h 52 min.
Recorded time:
3 h 35 min
